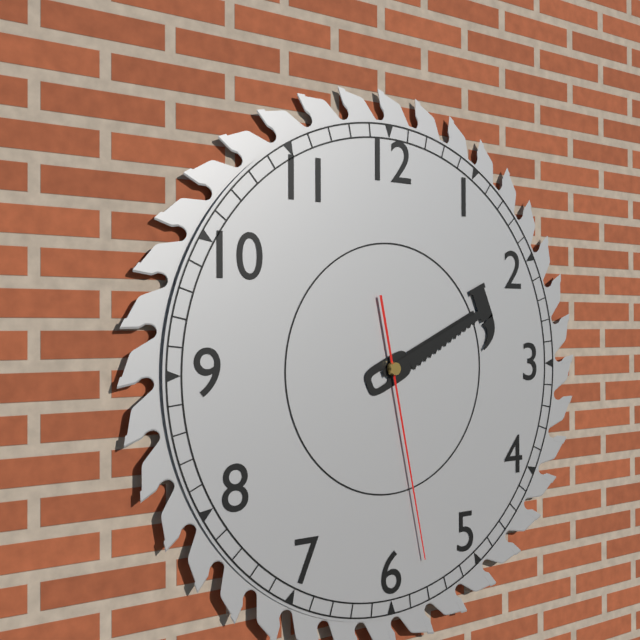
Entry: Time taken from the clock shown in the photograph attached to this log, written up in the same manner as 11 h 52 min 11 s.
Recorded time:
2 h 11 min 28 s
